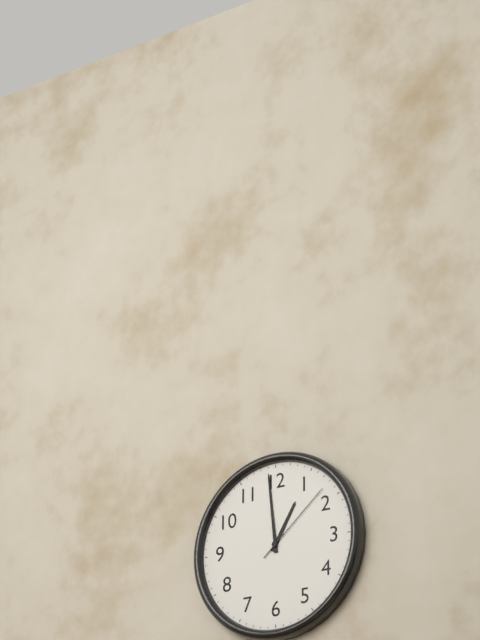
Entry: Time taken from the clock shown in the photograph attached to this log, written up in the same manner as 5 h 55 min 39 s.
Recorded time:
12 h 59 min 08 s
